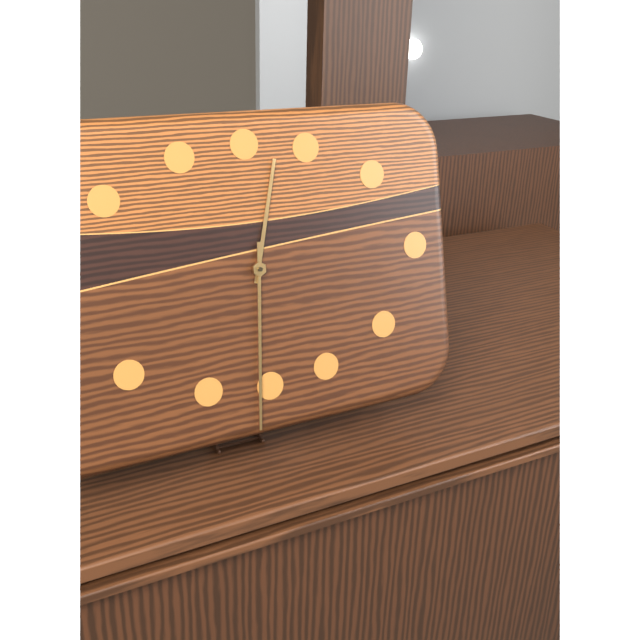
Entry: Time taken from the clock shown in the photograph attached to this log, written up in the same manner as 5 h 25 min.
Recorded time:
12 h 31 min
